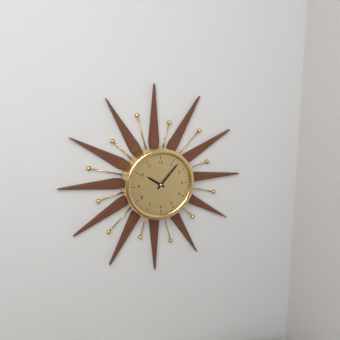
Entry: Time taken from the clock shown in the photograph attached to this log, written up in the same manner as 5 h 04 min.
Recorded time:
10 h 07 min
